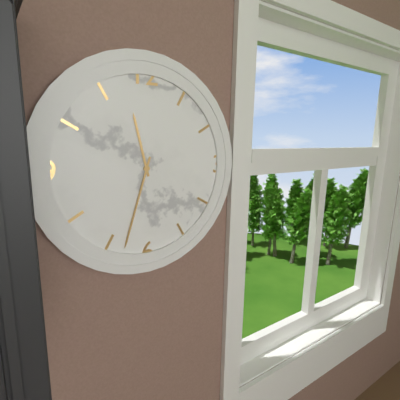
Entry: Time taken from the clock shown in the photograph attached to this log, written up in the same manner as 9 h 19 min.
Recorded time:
11 h 33 min
